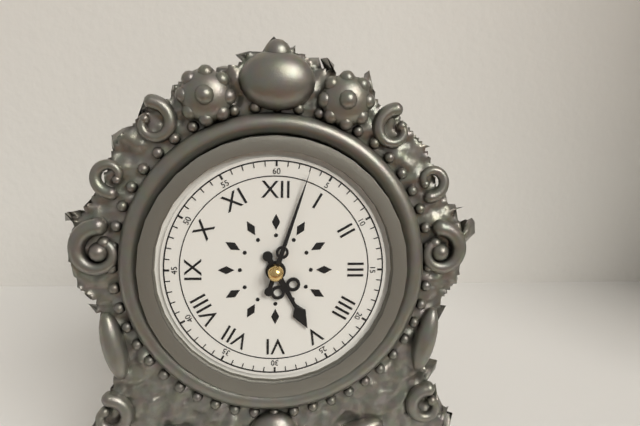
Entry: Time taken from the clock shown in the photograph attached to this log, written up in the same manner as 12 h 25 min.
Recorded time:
5 h 03 min
